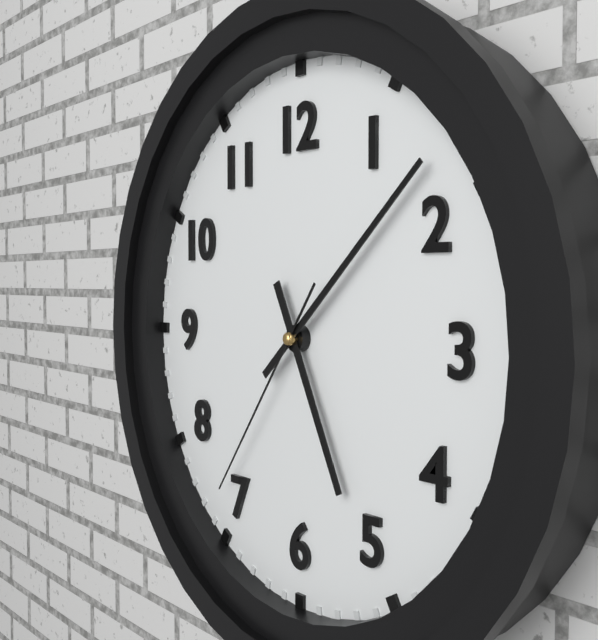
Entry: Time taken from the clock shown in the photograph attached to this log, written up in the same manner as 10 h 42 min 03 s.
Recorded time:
5 h 08 min 36 s
